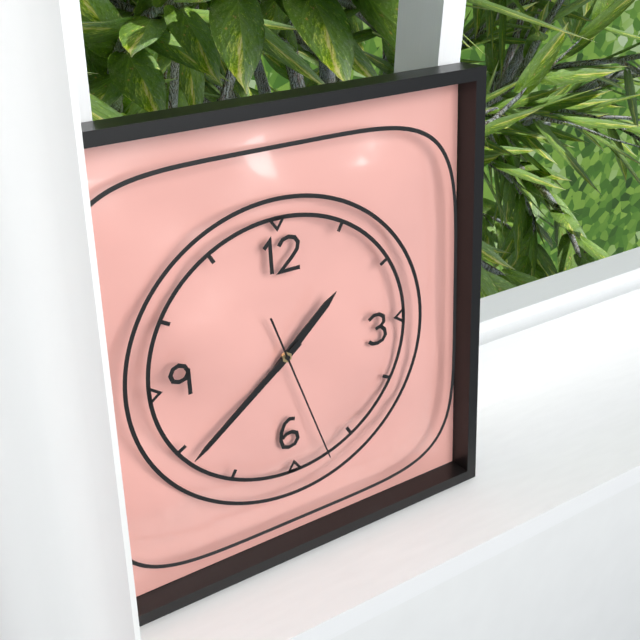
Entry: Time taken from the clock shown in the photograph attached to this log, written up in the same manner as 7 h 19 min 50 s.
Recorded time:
1 h 39 min 27 s
